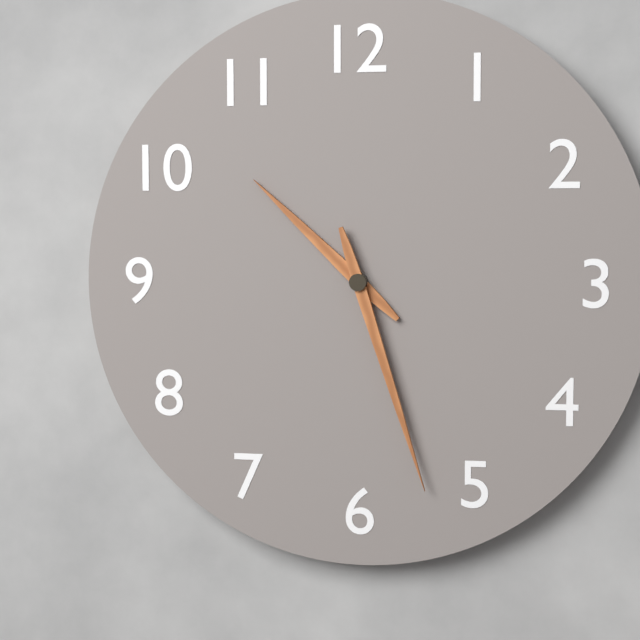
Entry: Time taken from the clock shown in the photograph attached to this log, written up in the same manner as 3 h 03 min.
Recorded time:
10 h 27 min
